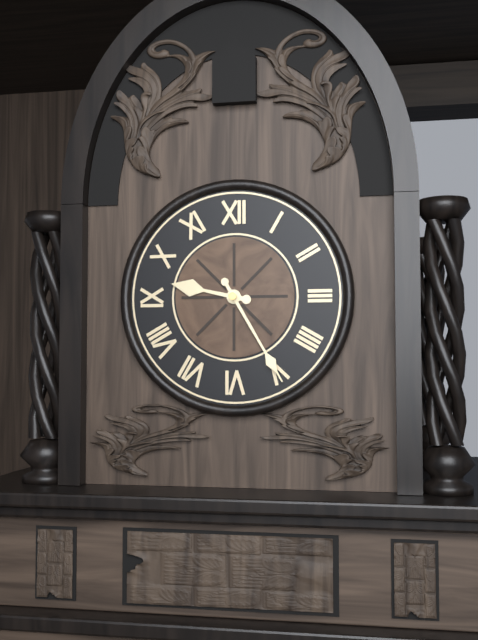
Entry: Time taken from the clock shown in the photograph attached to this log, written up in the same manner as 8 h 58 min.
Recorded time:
9 h 25 min
